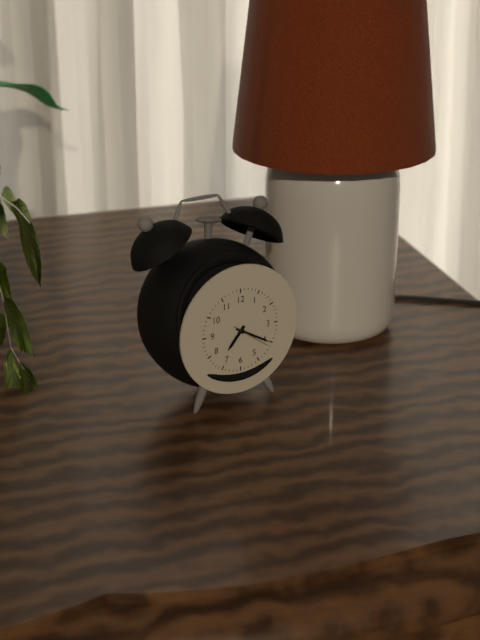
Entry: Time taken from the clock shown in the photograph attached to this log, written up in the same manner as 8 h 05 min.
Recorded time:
7 h 20 min
